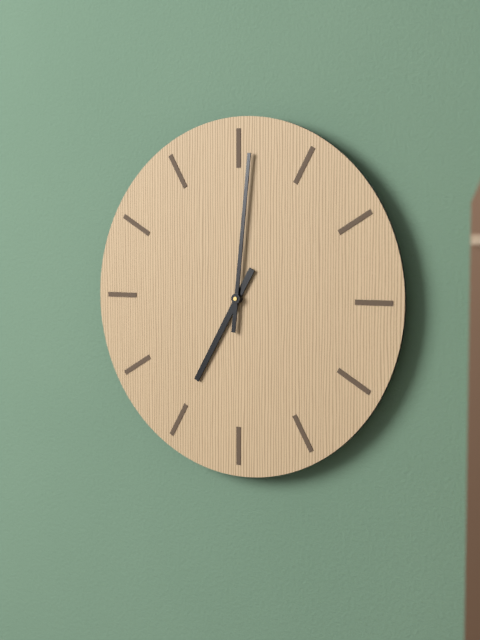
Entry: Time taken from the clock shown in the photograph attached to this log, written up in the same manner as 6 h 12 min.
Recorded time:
7 h 01 min
